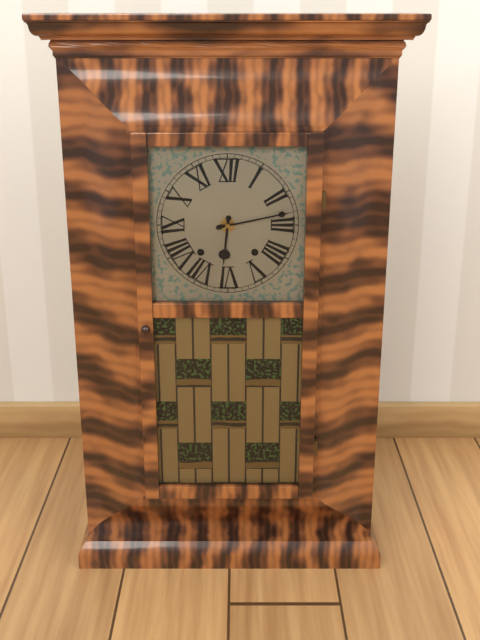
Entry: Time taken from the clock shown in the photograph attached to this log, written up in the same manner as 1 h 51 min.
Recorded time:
6 h 13 min
